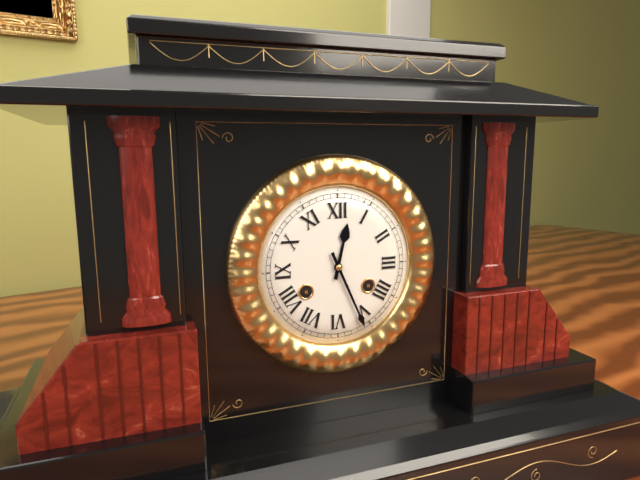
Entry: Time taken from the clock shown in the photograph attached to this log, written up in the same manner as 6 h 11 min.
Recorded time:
12 h 26 min
